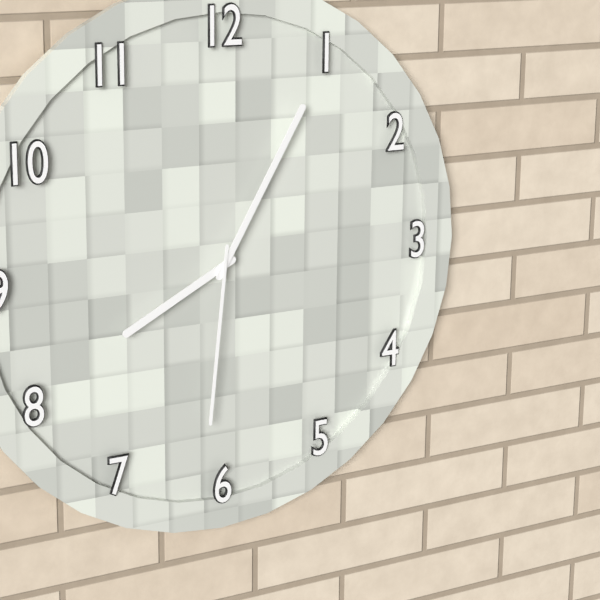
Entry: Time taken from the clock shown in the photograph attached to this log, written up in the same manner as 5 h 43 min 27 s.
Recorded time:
8 h 05 min 31 s
